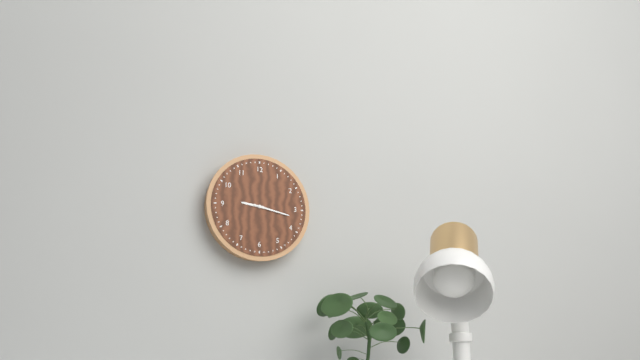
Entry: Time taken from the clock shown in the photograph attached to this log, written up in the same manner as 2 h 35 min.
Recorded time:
9 h 17 min
